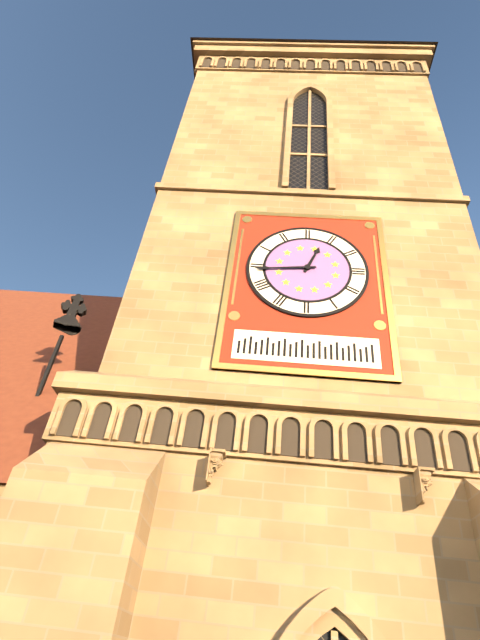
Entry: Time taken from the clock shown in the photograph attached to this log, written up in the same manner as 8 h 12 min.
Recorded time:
12 h 44 min
